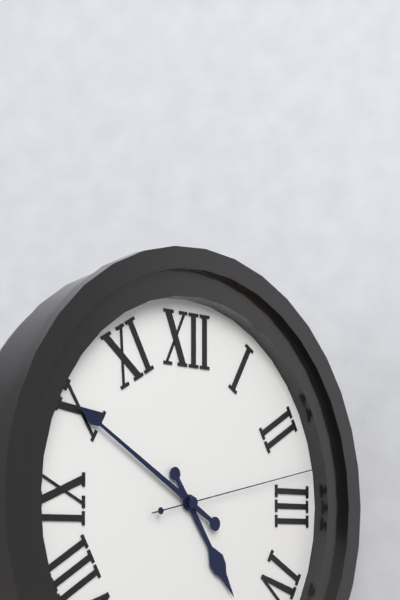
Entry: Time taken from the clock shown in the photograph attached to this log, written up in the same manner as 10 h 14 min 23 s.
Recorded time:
4 h 50 min 13 s
